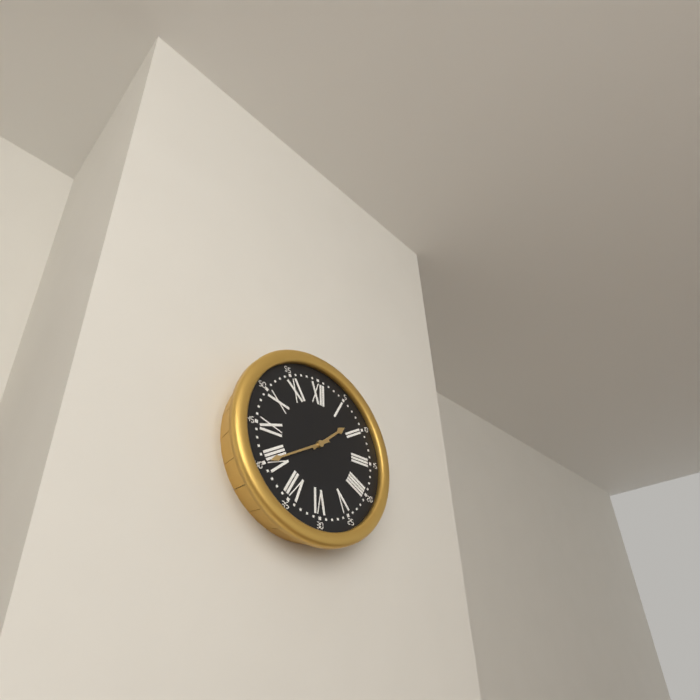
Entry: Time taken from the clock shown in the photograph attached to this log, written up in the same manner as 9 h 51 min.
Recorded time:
1 h 40 min
